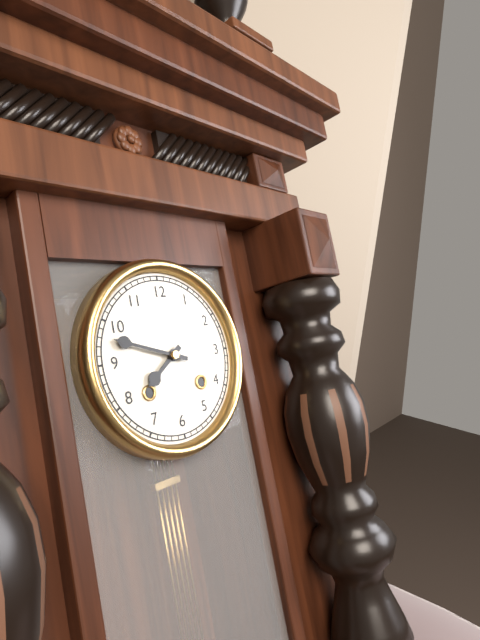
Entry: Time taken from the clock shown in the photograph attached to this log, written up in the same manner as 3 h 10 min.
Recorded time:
7 h 48 min
